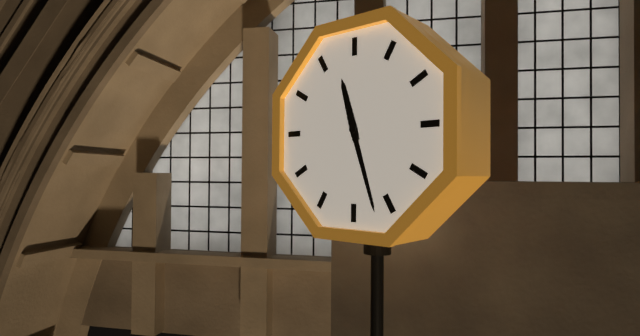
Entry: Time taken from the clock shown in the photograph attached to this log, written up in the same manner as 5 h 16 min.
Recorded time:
11 h 27 min
